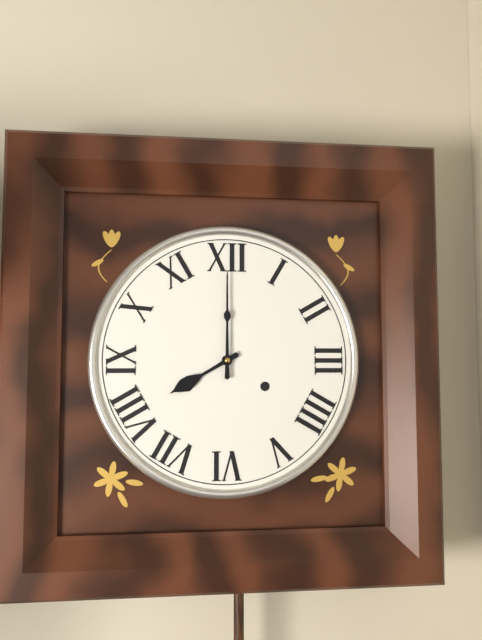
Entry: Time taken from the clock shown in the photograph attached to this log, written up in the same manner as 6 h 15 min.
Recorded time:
8 h 00 min
